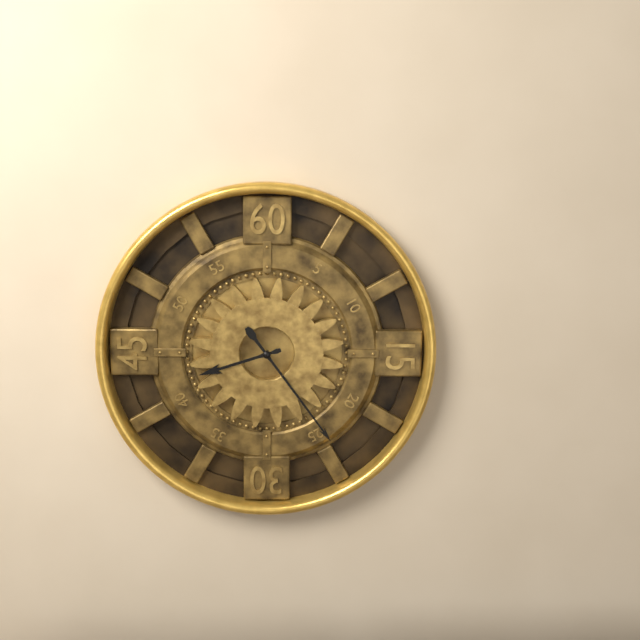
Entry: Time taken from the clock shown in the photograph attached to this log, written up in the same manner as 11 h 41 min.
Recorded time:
8 h 24 min
